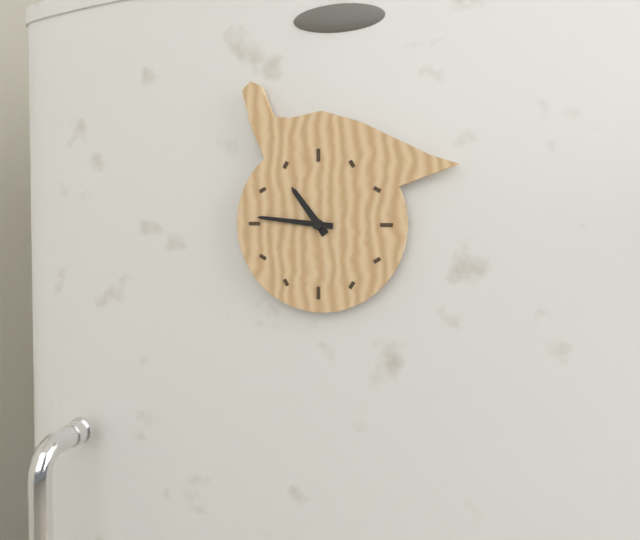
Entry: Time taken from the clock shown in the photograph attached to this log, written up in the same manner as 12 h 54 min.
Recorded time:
10 h 46 min
